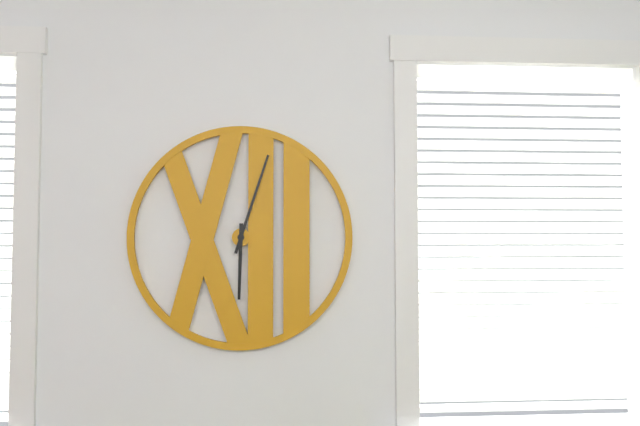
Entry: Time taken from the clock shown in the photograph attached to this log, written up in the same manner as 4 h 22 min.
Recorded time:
6 h 03 min
